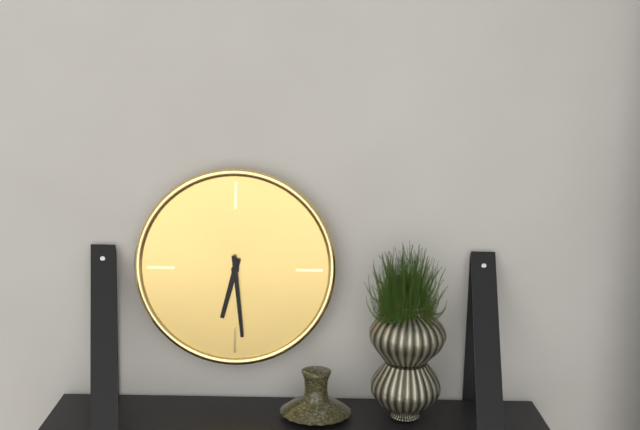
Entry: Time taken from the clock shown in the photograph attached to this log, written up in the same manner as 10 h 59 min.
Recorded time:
6 h 29 min
